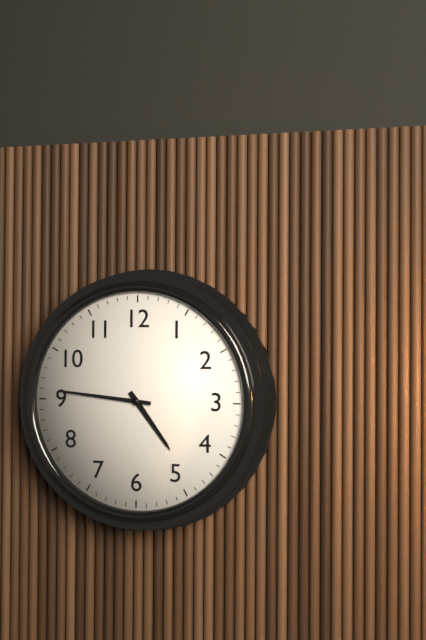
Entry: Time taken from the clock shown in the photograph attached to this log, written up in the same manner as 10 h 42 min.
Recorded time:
4 h 46 min
